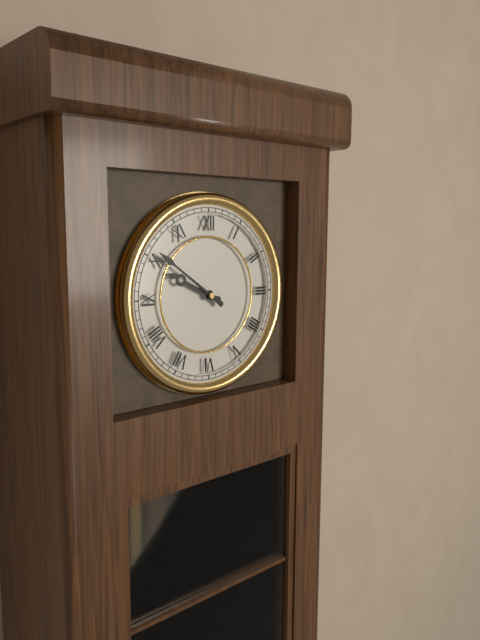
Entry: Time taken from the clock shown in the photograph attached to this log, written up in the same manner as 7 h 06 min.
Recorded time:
9 h 51 min
